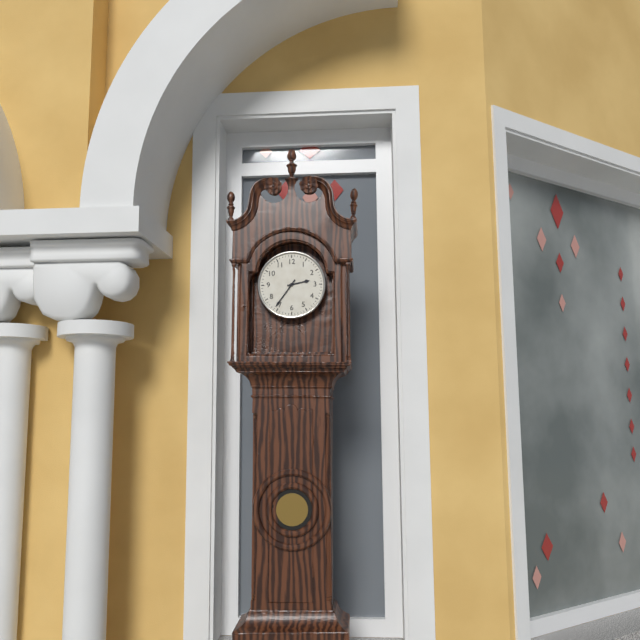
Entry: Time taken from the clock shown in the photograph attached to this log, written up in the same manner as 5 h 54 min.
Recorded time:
2 h 36 min
